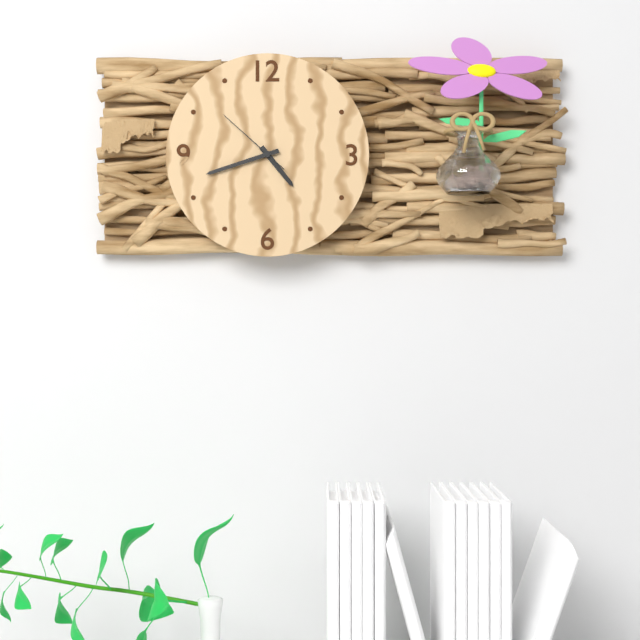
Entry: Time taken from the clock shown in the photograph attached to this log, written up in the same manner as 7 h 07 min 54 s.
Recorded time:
4 h 42 min 52 s
